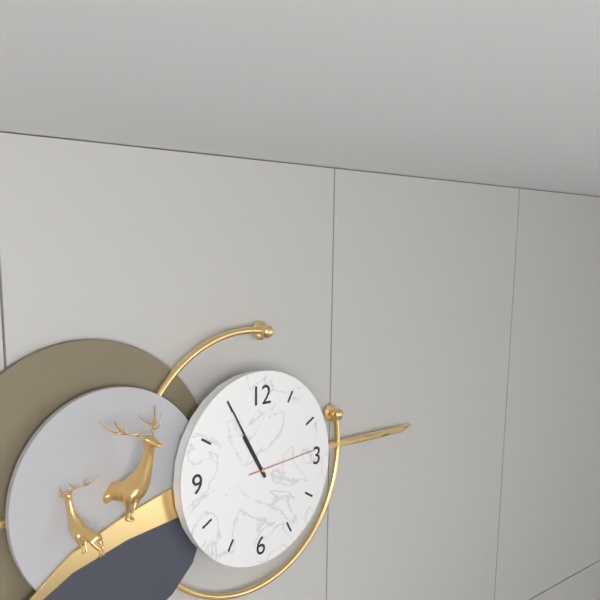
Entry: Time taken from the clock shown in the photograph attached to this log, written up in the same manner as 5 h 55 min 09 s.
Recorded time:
10 h 55 min 14 s
